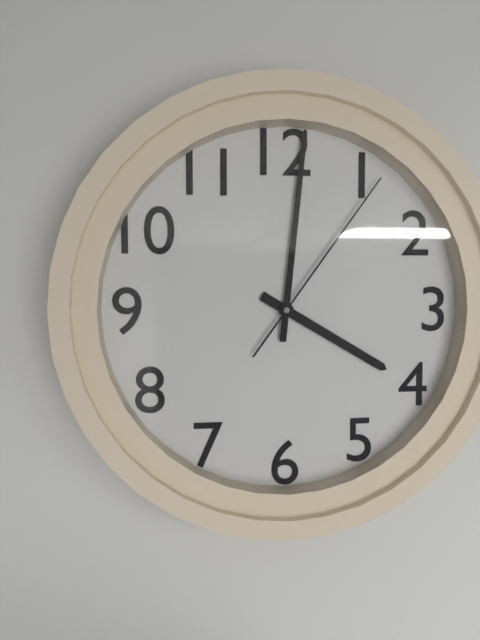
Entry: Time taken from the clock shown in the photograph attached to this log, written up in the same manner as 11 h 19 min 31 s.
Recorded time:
4 h 01 min 06 s
